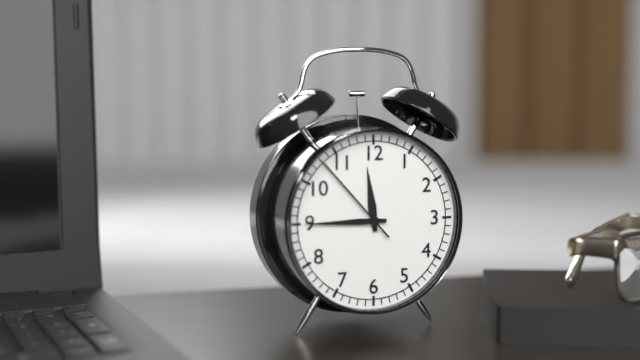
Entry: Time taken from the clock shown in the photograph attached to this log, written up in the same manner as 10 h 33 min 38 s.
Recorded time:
11 h 45 min 53 s
